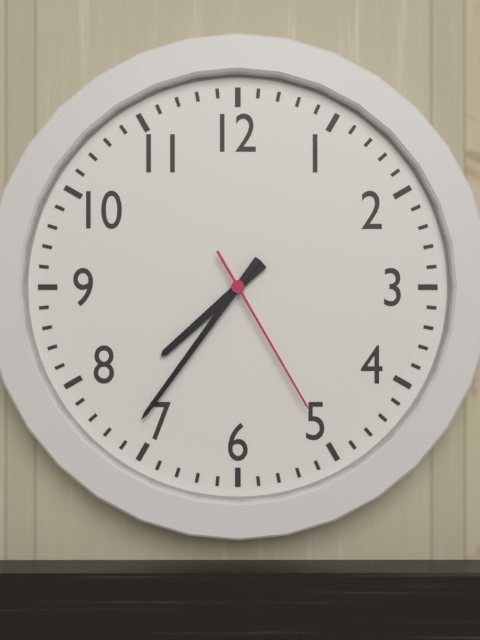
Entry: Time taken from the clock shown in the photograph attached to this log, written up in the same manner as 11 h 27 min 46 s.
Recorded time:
7 h 36 min 25 s
